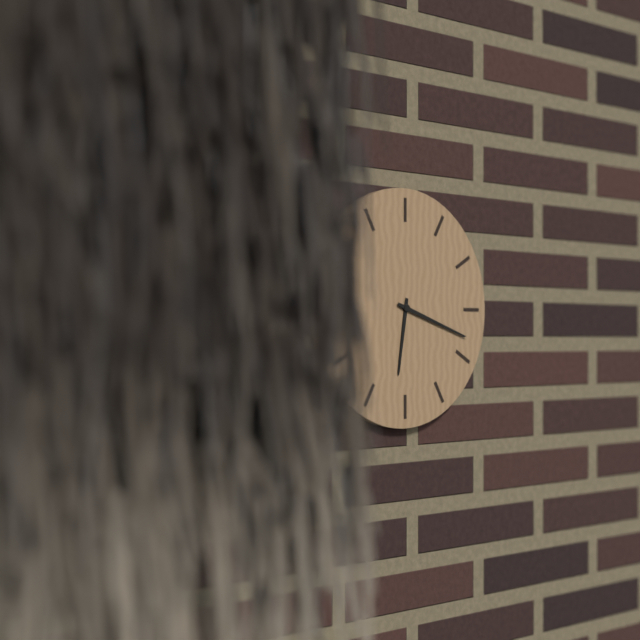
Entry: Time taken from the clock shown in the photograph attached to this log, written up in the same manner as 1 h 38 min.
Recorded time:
6 h 18 min
